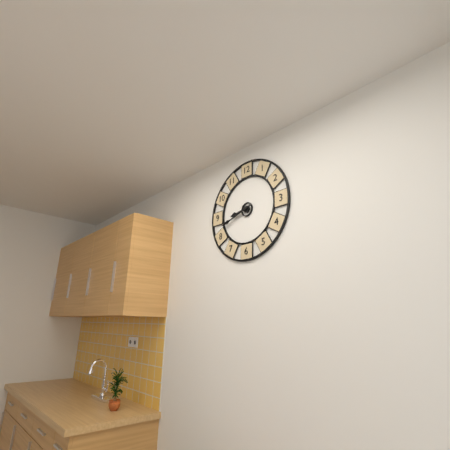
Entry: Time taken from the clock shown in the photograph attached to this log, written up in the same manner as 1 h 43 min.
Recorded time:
8 h 42 min
